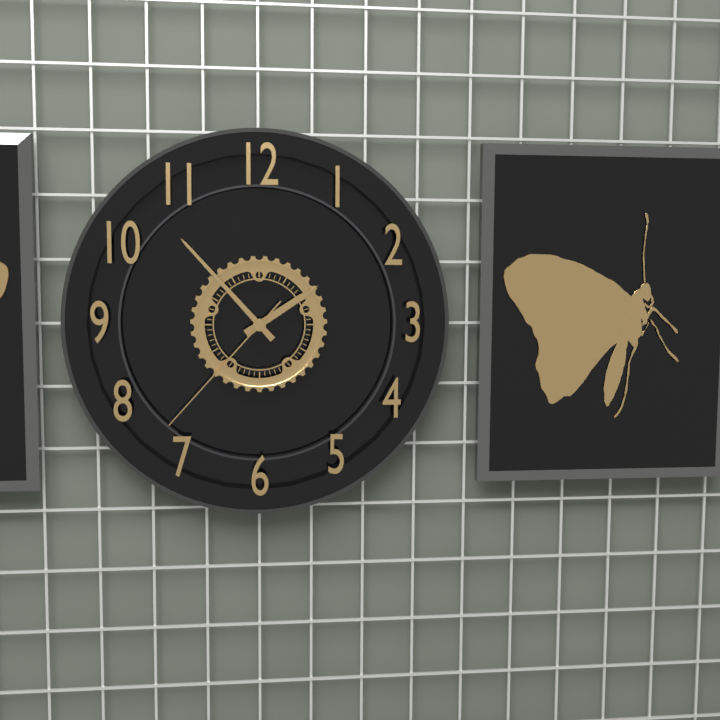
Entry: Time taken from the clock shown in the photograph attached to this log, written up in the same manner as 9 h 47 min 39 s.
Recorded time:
1 h 53 min 37 s
